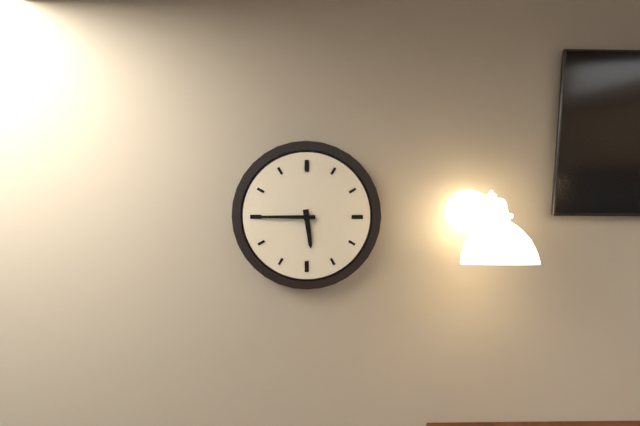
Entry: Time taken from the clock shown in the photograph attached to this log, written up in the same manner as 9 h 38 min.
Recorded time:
5 h 45 min
